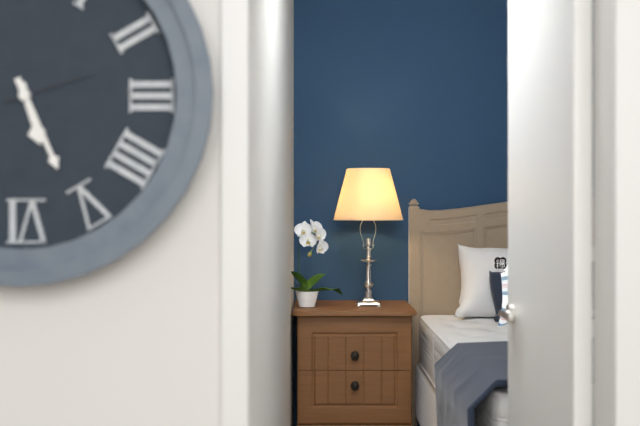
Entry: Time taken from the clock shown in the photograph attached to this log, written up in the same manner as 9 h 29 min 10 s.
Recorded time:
5 h 26 min 12 s
